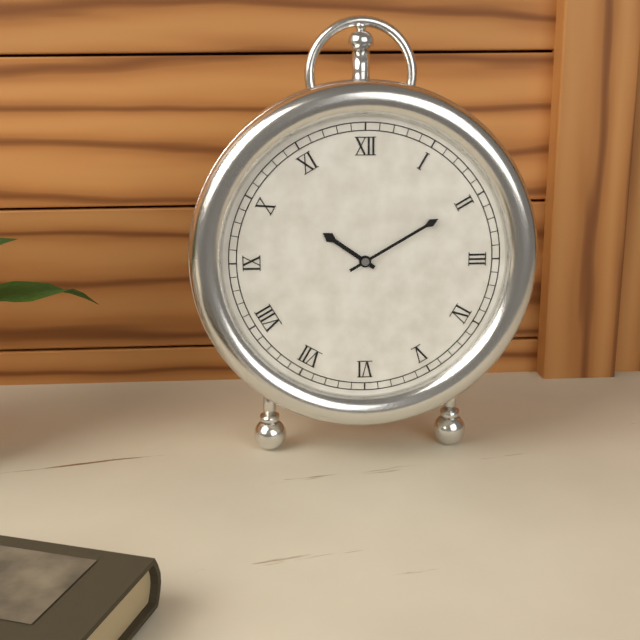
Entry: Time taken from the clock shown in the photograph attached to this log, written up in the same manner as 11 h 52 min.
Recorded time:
10 h 10 min
